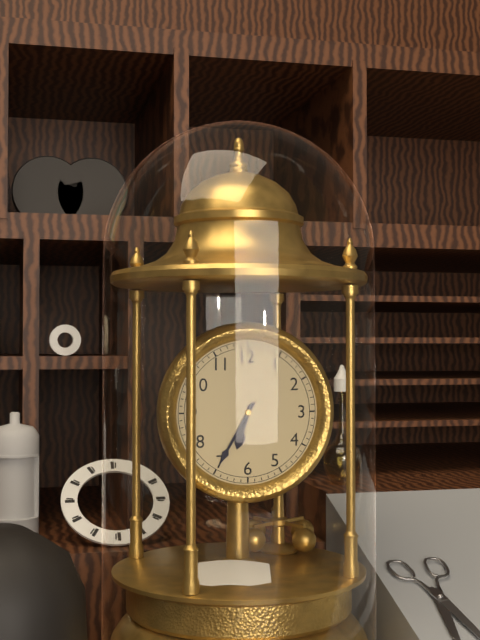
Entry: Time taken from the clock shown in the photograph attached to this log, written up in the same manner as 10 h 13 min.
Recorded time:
6 h 35 min
